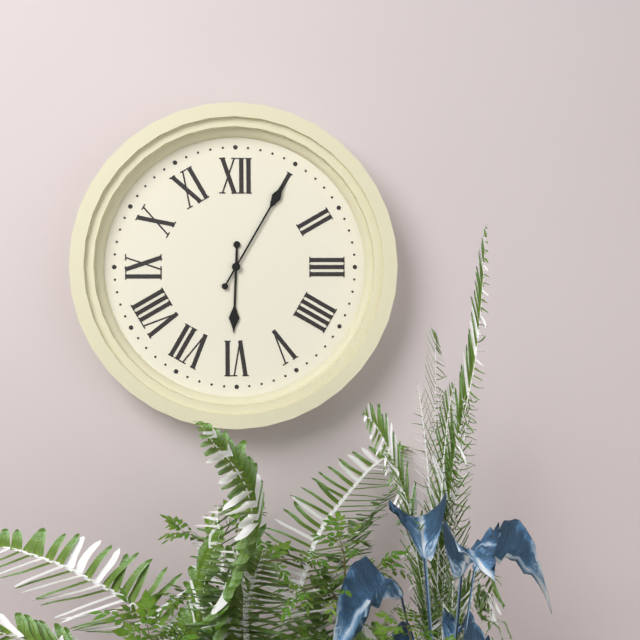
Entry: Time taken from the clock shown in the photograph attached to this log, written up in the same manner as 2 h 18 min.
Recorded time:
6 h 05 min
